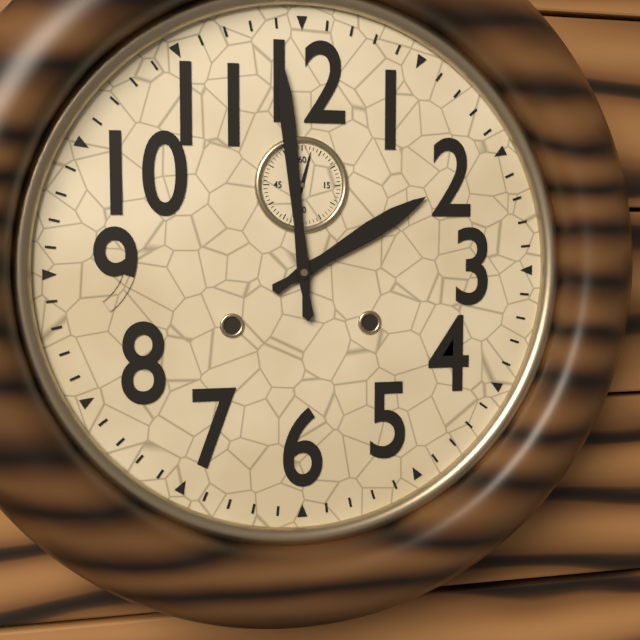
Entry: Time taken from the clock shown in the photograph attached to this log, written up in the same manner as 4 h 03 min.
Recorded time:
1 h 59 min
